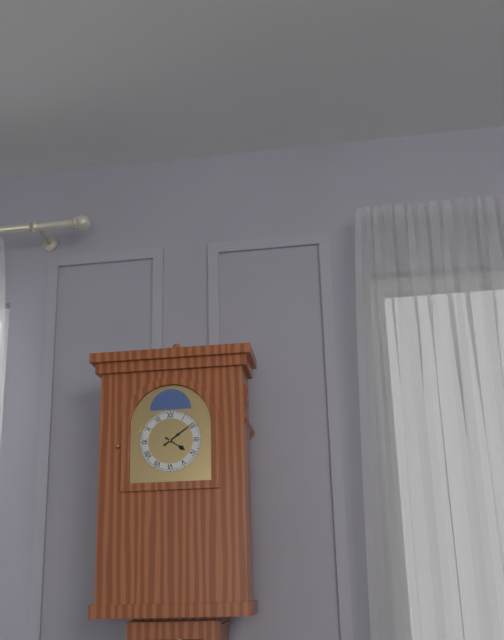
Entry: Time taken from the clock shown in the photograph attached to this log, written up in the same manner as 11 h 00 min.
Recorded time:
4 h 09 min
